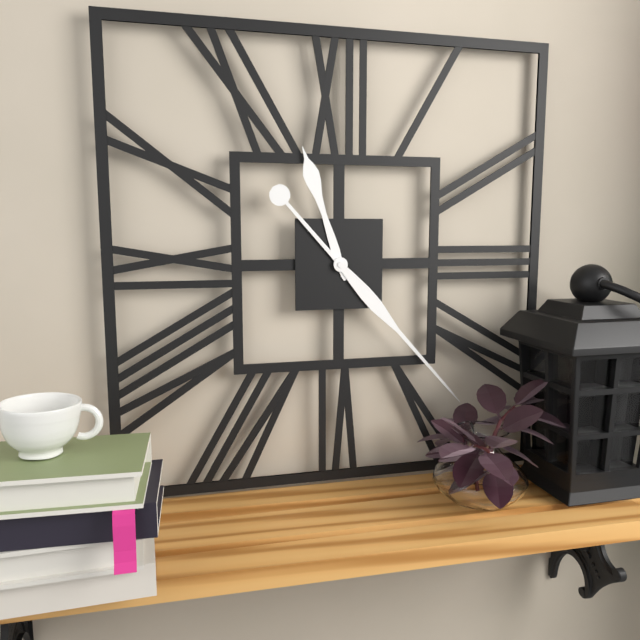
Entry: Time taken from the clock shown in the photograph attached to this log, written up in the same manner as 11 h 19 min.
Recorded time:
11 h 23 min
